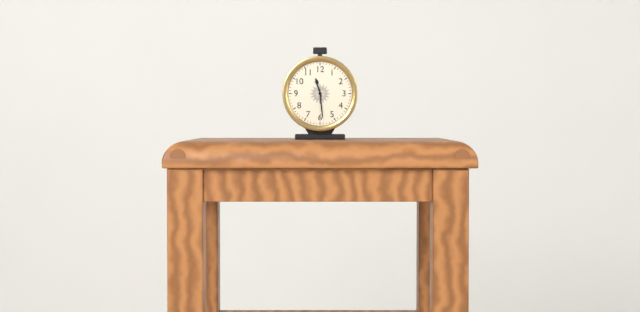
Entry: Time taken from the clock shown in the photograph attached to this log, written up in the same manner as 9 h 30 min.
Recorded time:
11 h 29 min
